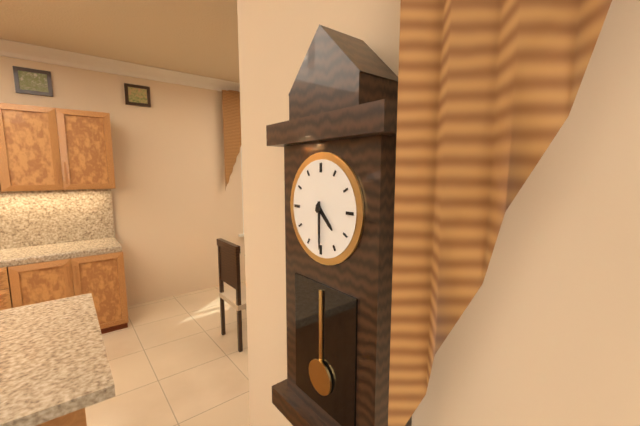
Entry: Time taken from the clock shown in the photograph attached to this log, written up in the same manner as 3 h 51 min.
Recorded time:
4 h 30 min
